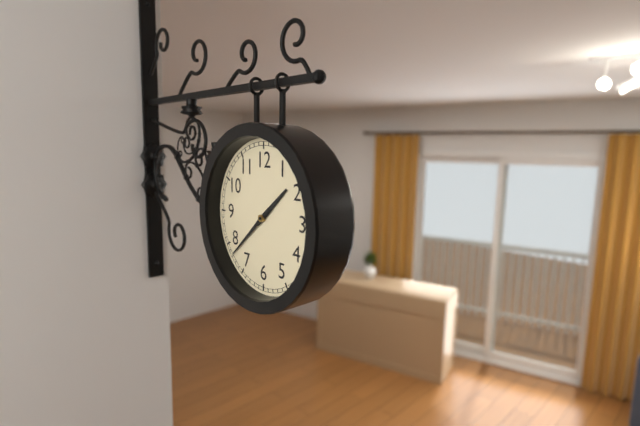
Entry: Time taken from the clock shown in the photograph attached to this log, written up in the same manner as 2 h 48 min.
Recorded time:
1 h 38 min
